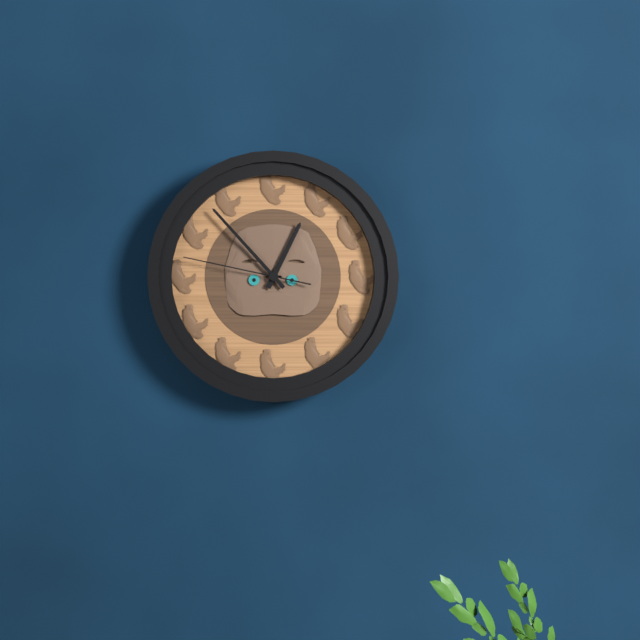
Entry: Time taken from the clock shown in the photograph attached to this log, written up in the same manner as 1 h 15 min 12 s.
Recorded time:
12 h 53 min 47 s
